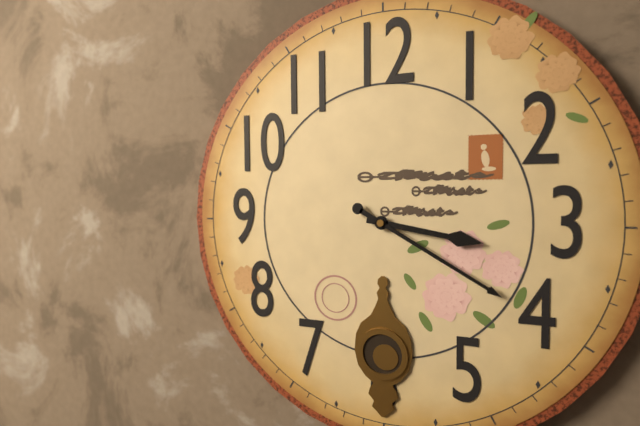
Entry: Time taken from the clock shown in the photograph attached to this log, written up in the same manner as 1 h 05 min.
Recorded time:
3 h 20 min
